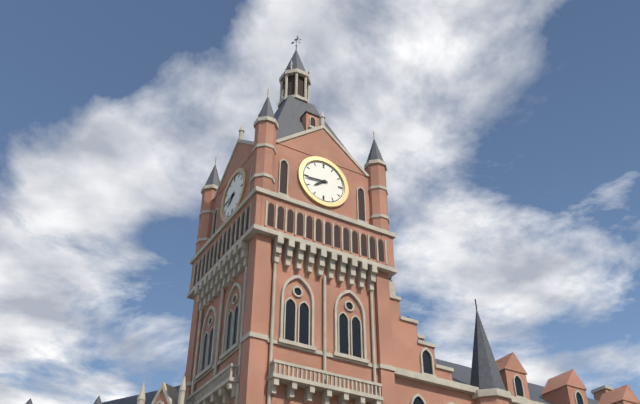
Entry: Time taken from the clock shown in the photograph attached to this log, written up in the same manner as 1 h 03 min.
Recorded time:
7 h 44 min
